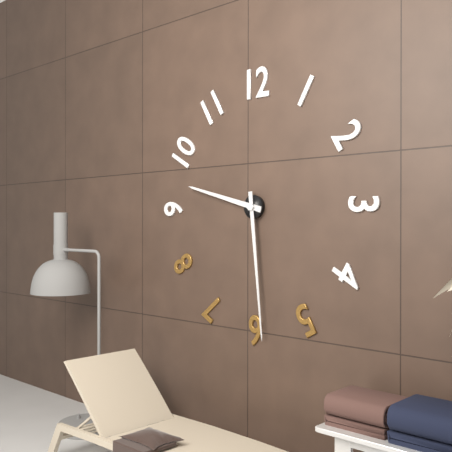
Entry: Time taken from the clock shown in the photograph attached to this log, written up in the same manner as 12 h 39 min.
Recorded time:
9 h 29 min
